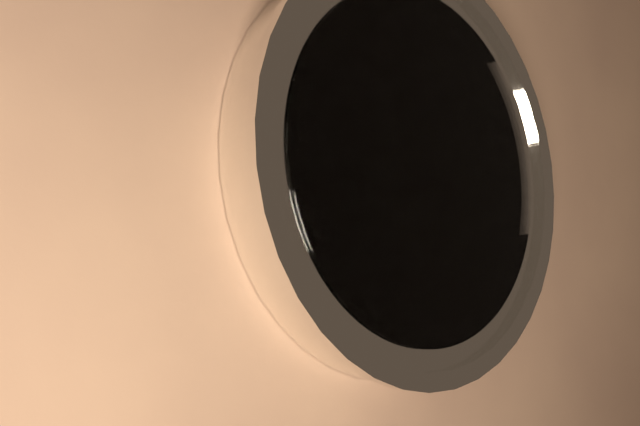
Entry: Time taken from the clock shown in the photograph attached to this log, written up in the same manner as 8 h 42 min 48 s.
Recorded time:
4 h 48 min 03 s
